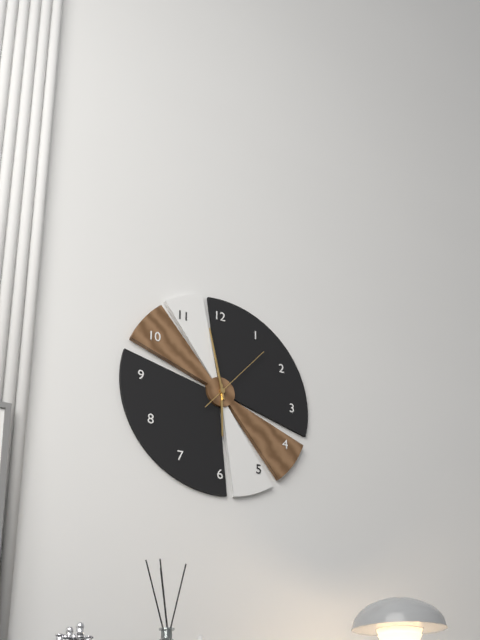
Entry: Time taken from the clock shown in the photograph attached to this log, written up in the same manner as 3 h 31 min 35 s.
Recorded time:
5 h 58 min 07 s
